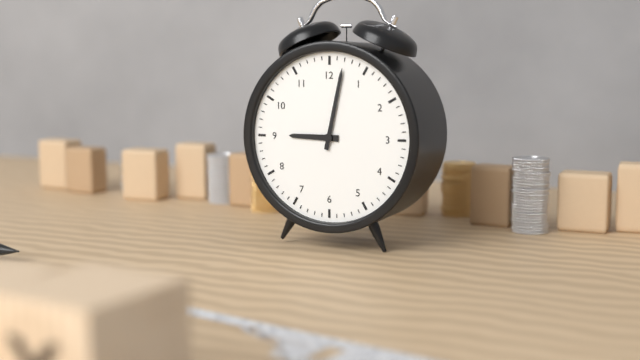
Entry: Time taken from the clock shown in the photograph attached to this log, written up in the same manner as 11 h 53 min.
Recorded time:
9 h 02 min
